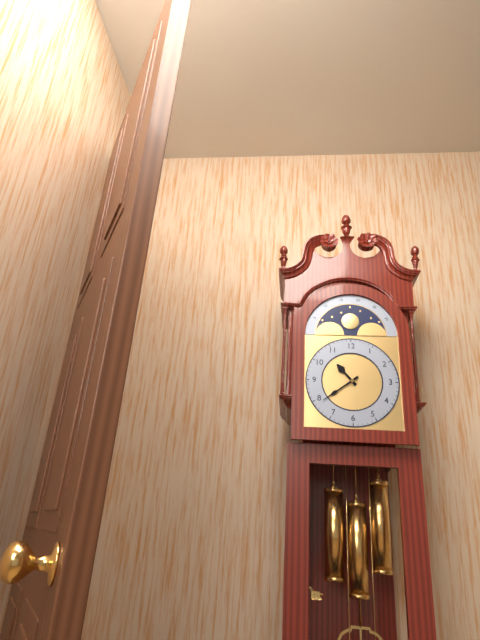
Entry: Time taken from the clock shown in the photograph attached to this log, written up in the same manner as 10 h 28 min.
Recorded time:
10 h 39 min
